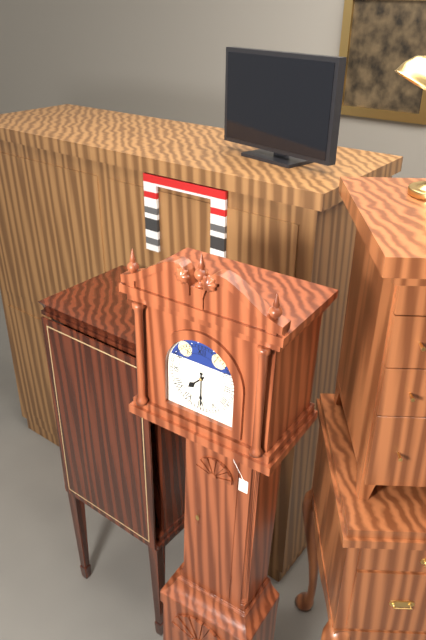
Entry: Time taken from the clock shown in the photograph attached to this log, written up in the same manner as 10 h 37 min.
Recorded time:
7 h 30 min
